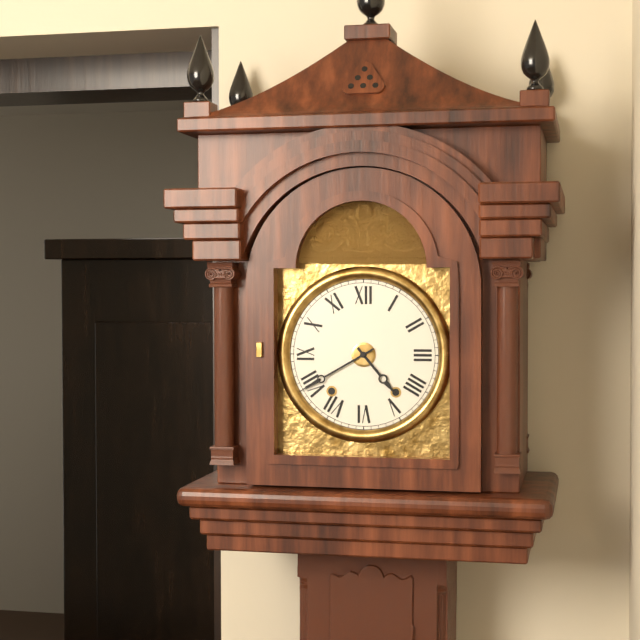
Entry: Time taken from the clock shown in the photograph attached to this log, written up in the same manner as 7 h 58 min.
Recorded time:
4 h 40 min
